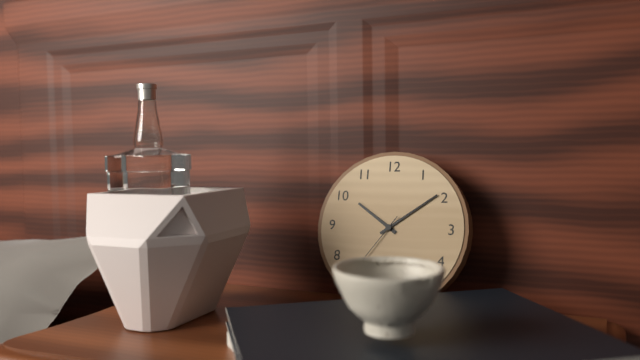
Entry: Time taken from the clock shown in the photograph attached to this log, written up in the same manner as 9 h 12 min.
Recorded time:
10 h 09 min
